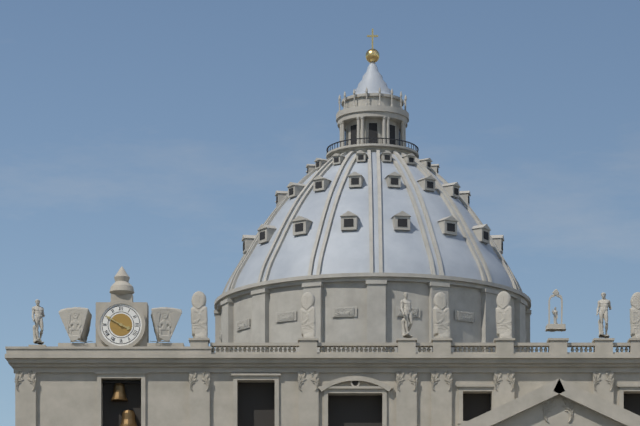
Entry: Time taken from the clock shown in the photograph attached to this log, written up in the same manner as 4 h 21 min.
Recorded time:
3 h 50 min
